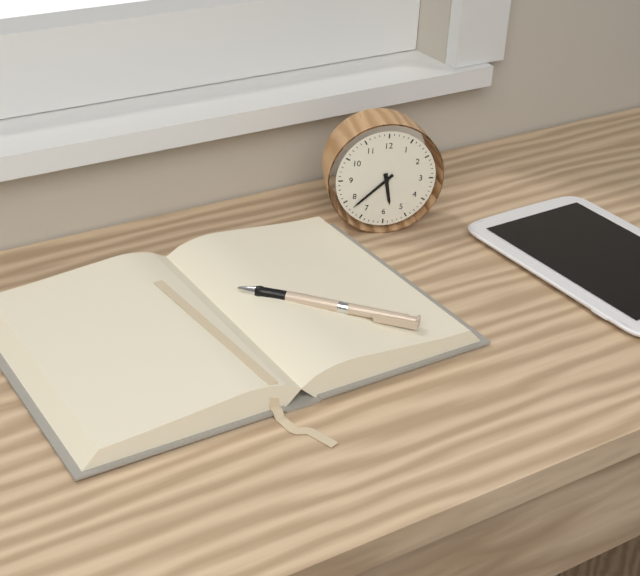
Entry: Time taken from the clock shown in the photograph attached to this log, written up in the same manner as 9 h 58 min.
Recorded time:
5 h 38 min
